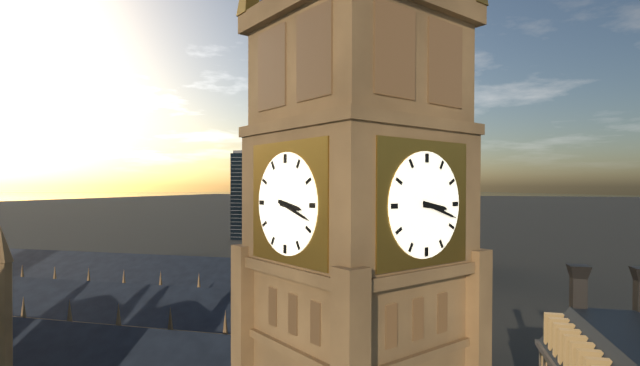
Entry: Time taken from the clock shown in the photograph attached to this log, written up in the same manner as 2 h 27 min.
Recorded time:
3 h 18 min
